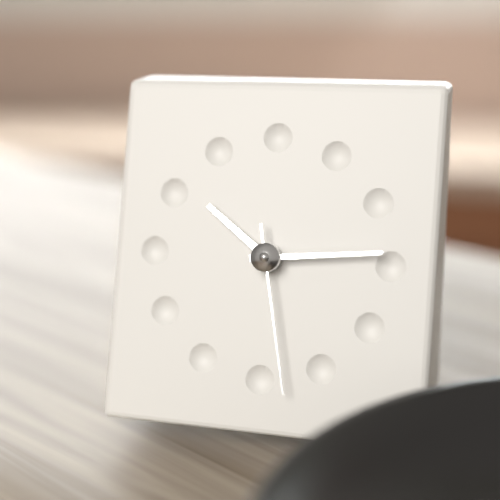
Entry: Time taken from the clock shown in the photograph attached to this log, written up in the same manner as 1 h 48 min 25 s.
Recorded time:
10 h 14 min 28 s
